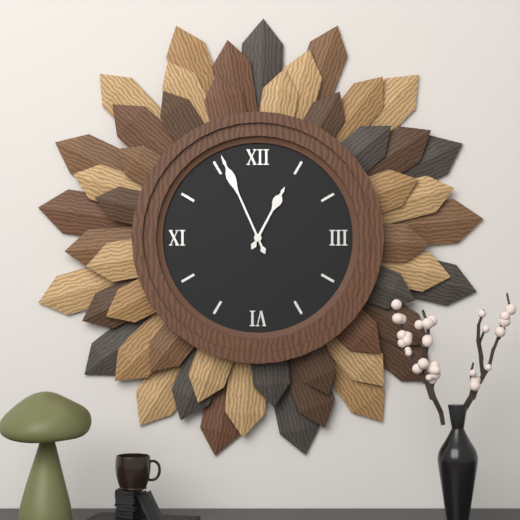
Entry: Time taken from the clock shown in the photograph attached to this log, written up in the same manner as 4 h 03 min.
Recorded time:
12 h 56 min
